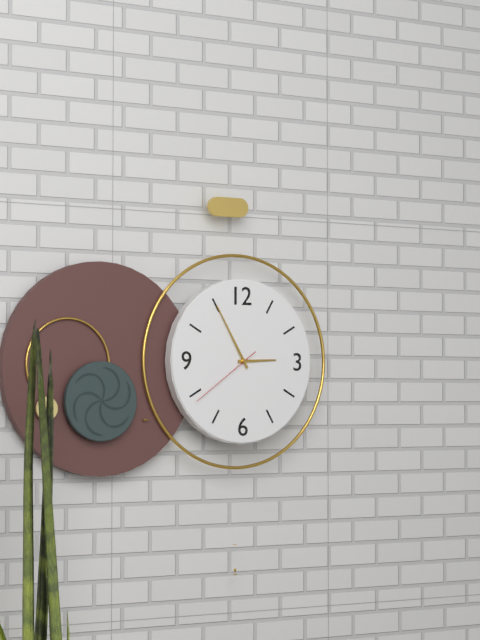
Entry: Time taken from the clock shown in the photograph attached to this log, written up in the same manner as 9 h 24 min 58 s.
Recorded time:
2 h 55 min 39 s
